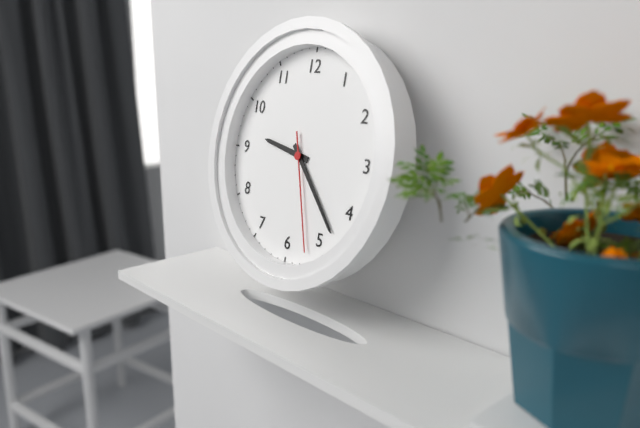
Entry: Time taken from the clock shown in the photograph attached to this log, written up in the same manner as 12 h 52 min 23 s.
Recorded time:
9 h 23 min 27 s
